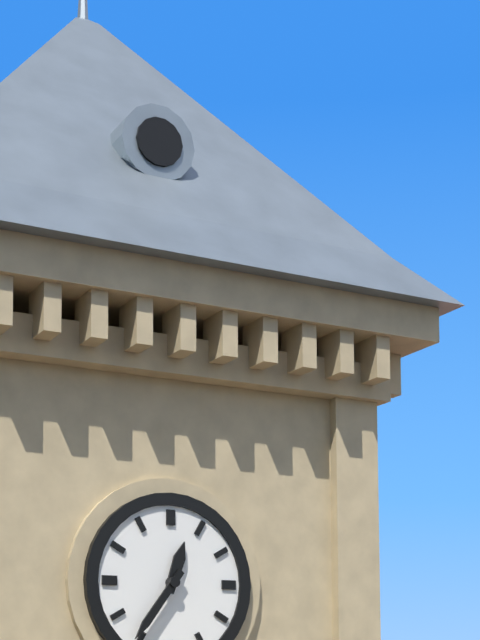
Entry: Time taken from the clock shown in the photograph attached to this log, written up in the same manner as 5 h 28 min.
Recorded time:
12 h 36 min
